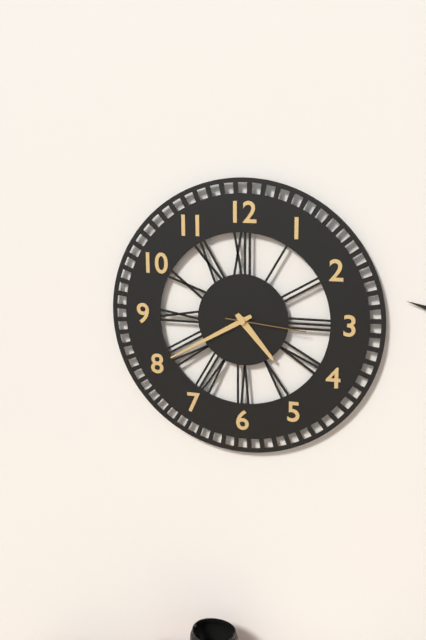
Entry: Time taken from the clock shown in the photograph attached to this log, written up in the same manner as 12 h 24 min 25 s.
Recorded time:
4 h 40 min 16 s
